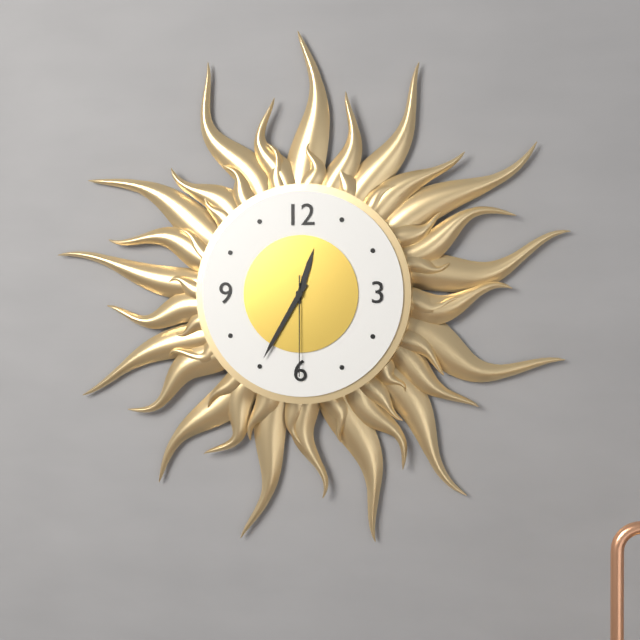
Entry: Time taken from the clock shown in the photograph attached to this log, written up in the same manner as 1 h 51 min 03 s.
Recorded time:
12 h 35 min 30 s
